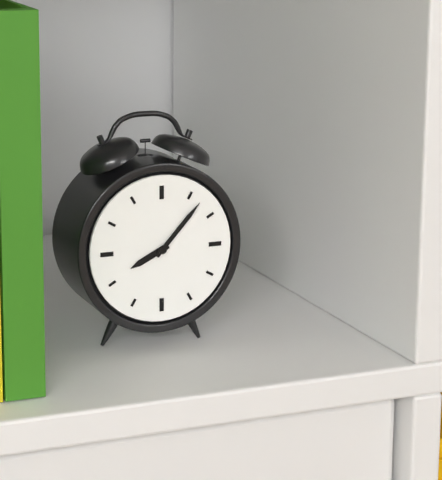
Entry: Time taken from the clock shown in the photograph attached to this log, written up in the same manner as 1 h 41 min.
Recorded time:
8 h 07 min
